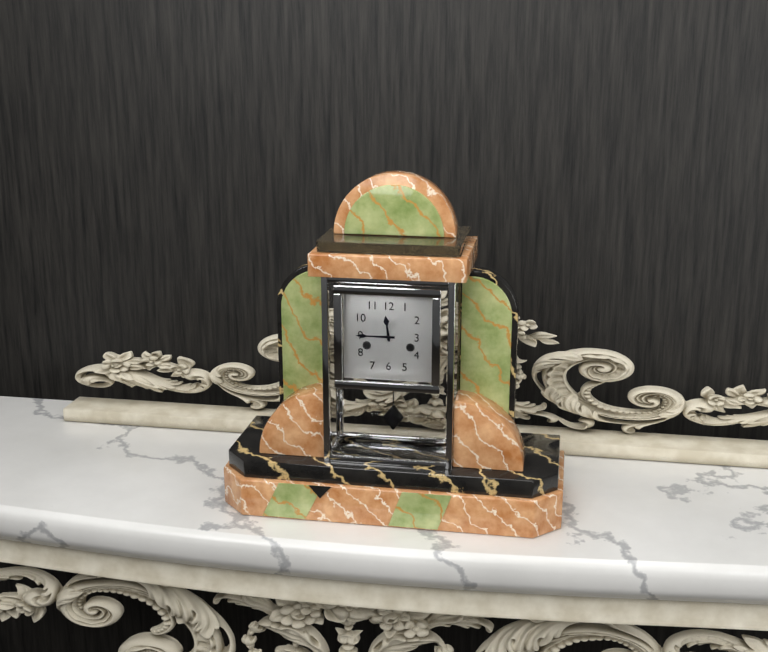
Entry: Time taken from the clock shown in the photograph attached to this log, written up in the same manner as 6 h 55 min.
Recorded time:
11 h 45 min
